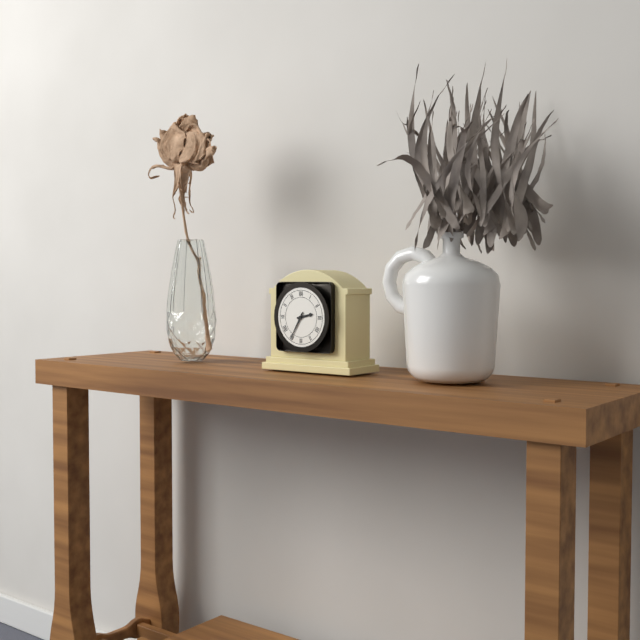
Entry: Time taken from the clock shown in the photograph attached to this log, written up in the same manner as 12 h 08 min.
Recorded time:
2 h 35 min
